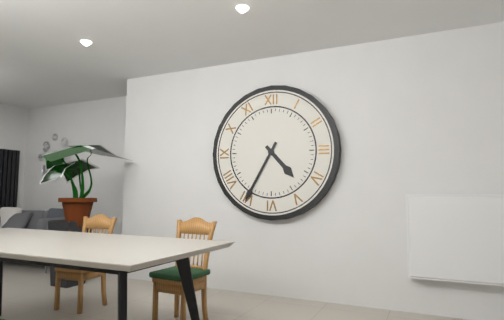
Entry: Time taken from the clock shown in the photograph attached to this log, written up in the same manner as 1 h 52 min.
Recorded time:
4 h 35 min
